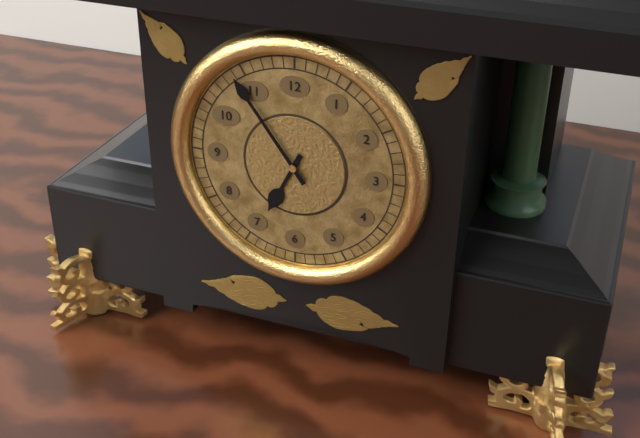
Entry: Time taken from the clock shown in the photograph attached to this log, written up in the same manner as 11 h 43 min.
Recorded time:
6 h 54 min
